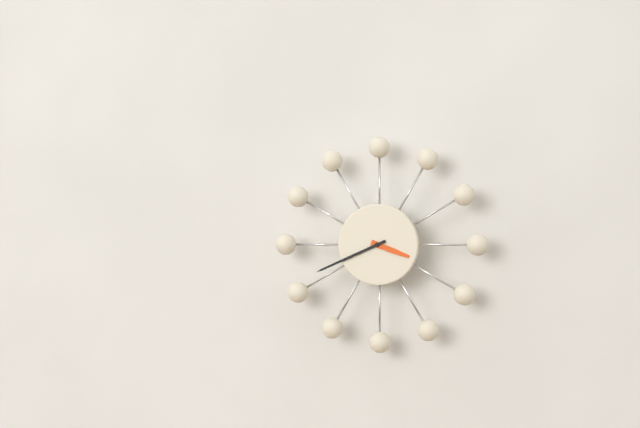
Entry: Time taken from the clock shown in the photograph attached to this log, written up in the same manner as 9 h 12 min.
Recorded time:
3 h 41 min
